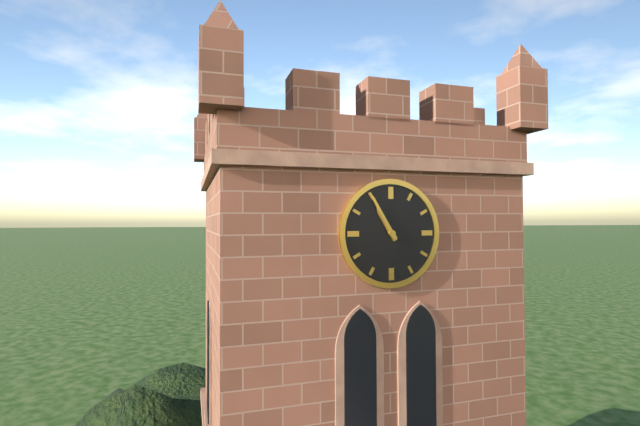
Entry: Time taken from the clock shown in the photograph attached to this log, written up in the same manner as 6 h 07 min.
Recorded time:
10 h 55 min
